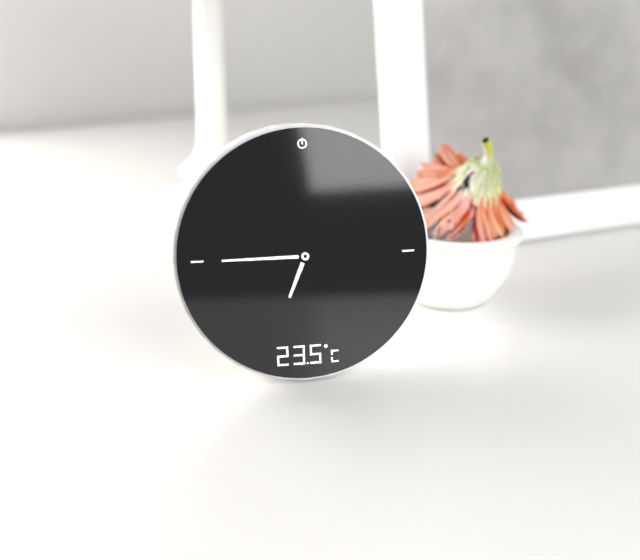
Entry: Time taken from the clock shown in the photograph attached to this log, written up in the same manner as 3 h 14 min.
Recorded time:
6 h 45 min
